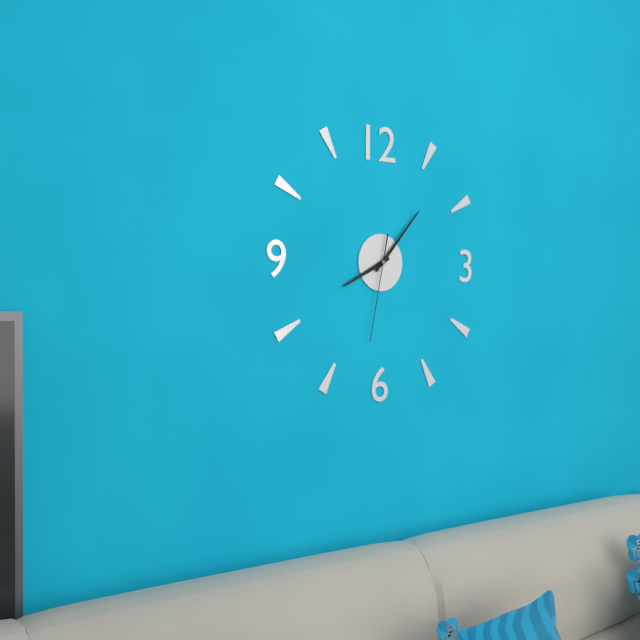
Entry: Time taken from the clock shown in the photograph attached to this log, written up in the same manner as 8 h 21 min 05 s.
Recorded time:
8 h 07 min 32 s
